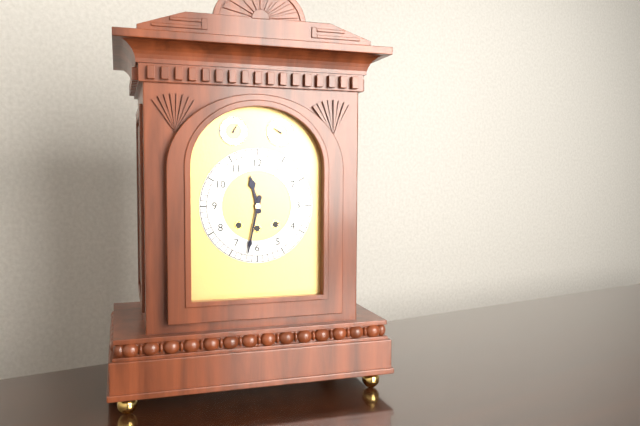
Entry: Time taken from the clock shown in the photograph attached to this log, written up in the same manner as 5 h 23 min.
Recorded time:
11 h 32 min
